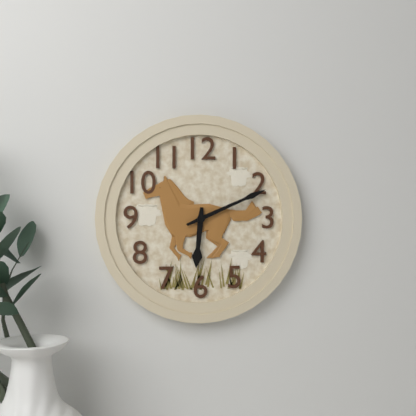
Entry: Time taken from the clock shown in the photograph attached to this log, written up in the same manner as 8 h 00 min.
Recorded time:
6 h 11 min
